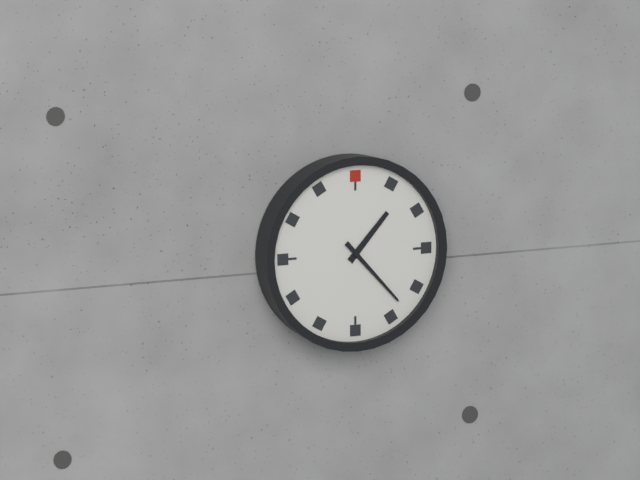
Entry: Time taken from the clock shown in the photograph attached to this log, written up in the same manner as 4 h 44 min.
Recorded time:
1 h 23 min
